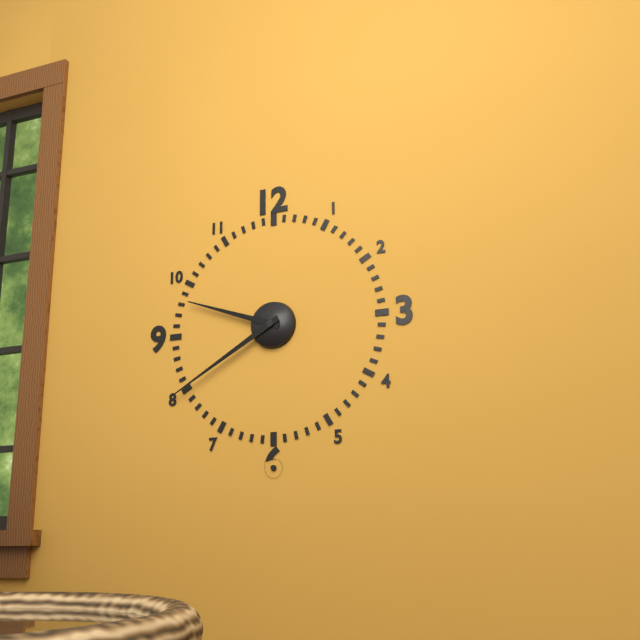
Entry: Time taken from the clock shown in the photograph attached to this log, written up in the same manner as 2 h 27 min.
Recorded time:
9 h 40 min
